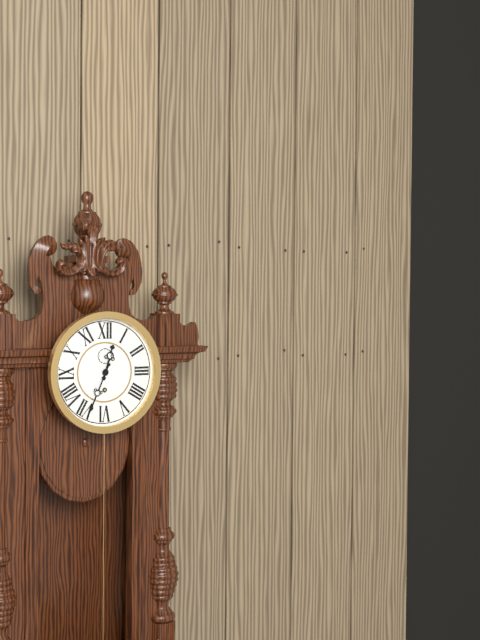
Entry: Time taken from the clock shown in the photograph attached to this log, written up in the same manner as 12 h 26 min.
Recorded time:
12 h 34 min
